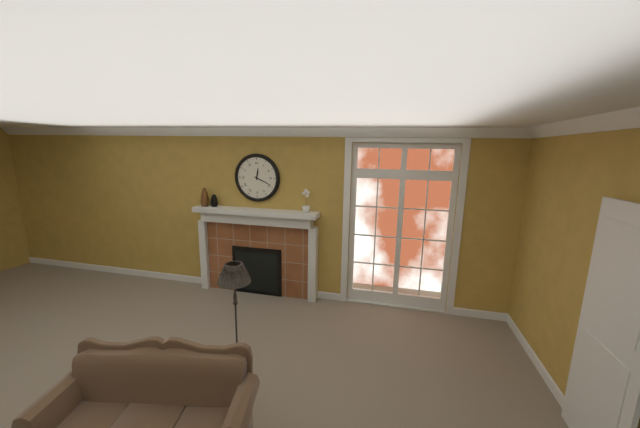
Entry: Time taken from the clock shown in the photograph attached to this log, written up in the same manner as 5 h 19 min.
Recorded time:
12 h 19 min
